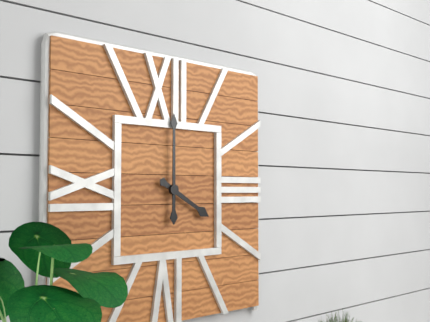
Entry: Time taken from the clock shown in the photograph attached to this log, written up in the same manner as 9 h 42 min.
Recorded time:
4 h 00 min
